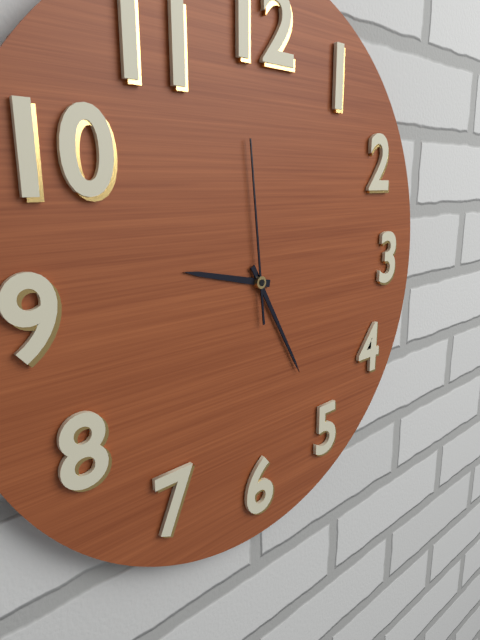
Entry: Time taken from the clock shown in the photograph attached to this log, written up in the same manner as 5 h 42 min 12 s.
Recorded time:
9 h 25 min 59 s
